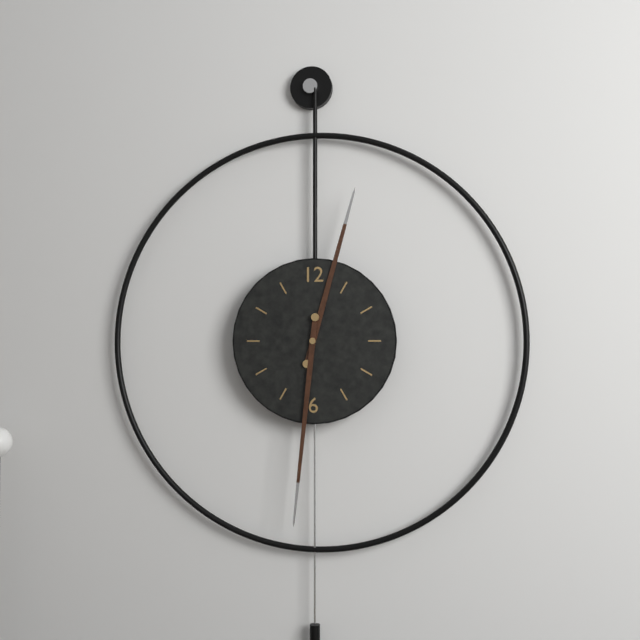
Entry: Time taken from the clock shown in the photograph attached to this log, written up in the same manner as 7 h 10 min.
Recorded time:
12 h 31 min
